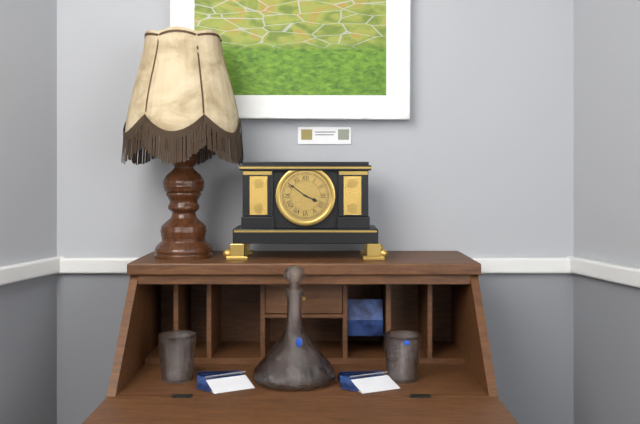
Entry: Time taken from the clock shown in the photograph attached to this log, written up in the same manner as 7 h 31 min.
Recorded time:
3 h 51 min
